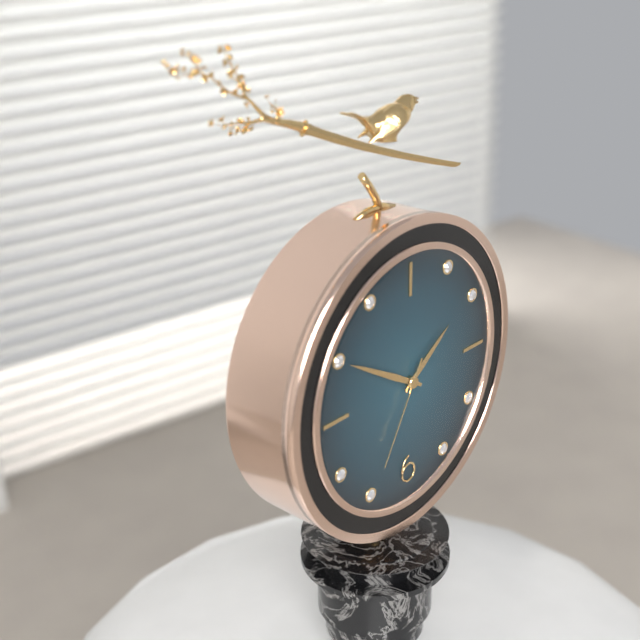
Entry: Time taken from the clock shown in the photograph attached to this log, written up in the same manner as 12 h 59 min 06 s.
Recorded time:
1 h 50 min 35 s
